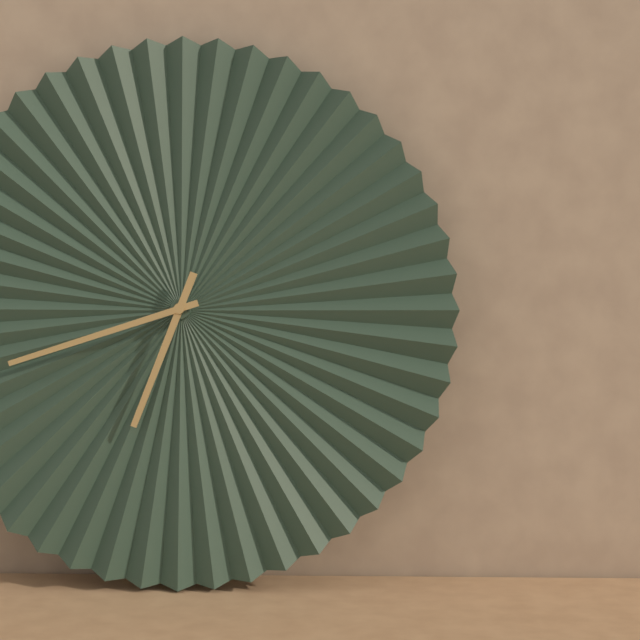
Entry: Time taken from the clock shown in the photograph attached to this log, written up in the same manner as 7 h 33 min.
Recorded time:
6 h 42 min
